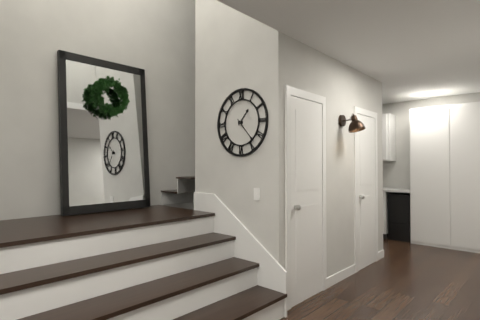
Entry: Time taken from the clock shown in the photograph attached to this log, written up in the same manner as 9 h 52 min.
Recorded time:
1 h 23 min
